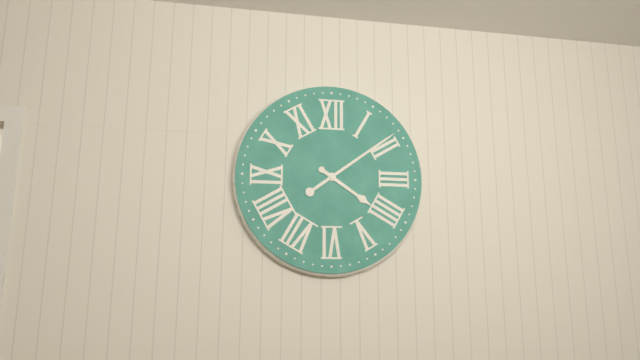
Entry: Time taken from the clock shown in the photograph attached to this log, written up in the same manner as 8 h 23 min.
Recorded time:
4 h 09 min
